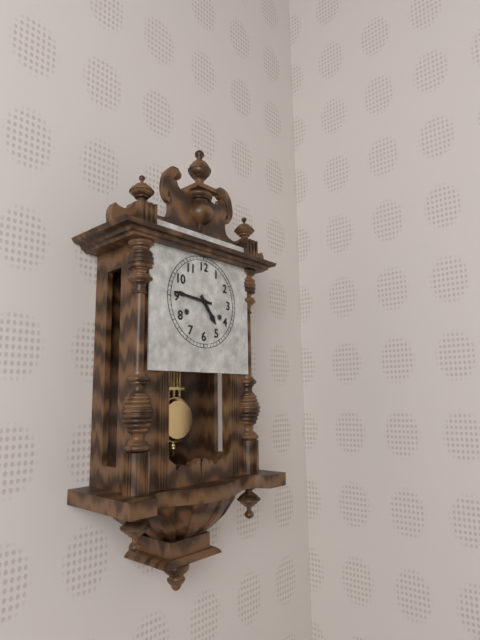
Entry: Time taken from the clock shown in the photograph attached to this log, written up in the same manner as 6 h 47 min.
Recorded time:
4 h 46 min
